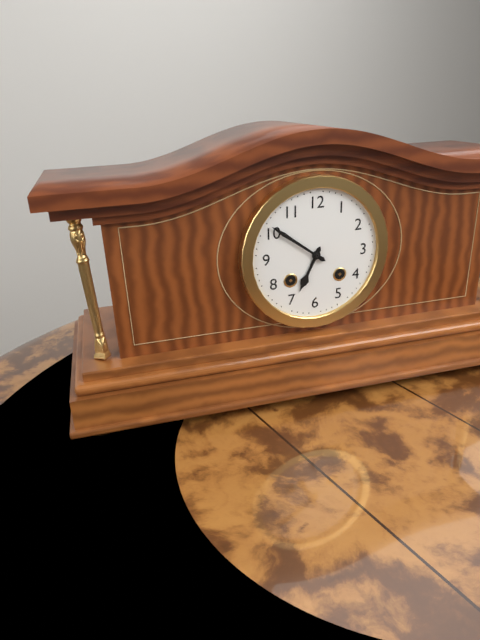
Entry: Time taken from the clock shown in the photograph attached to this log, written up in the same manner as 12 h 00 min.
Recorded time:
6 h 51 min
